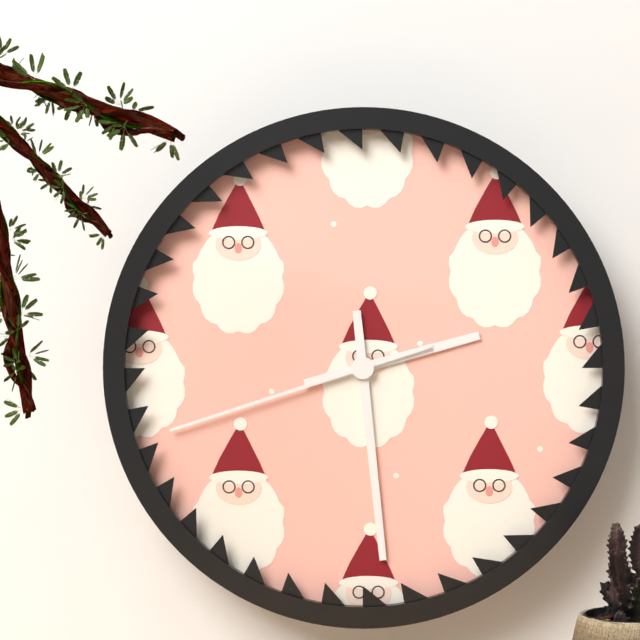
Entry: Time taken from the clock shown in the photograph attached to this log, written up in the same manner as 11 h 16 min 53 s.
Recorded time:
2 h 29 min 42 s
